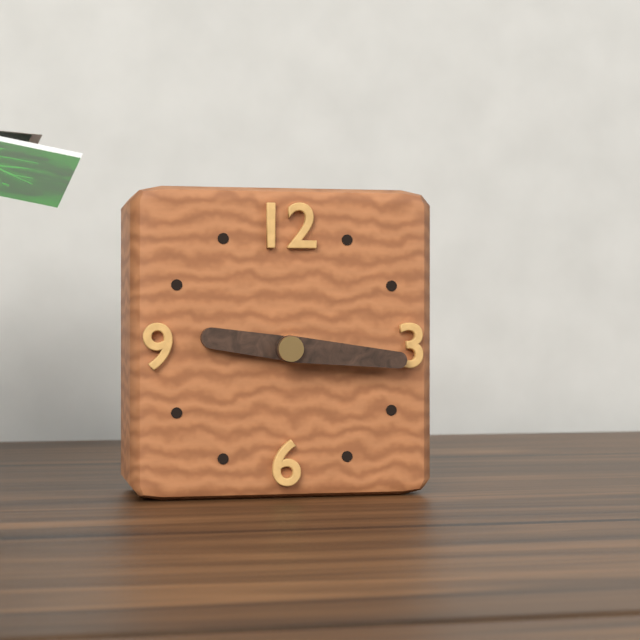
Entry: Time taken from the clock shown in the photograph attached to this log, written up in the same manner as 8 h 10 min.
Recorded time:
9 h 16 min
